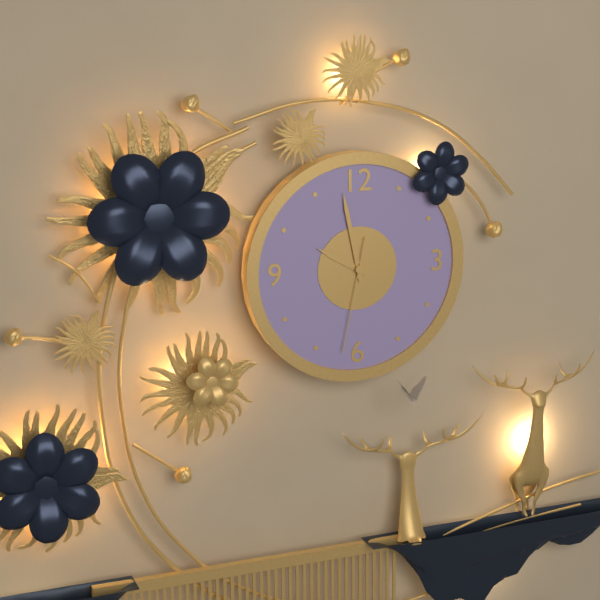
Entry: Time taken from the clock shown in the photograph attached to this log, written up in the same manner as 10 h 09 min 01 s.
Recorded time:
9 h 58 min 32 s
